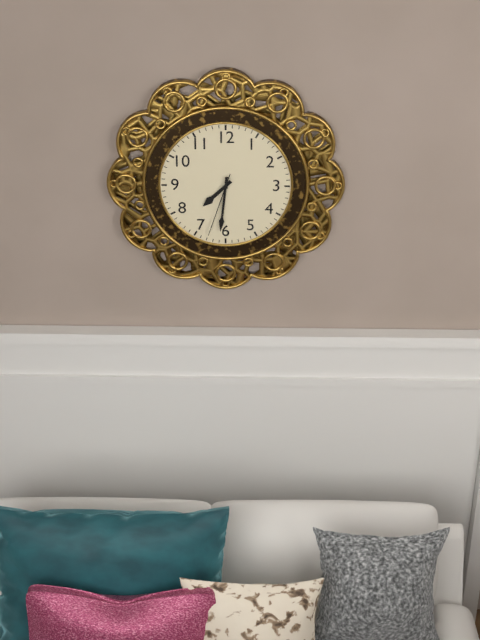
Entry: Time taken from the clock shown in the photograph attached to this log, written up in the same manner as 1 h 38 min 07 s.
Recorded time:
7 h 31 min 33 s
